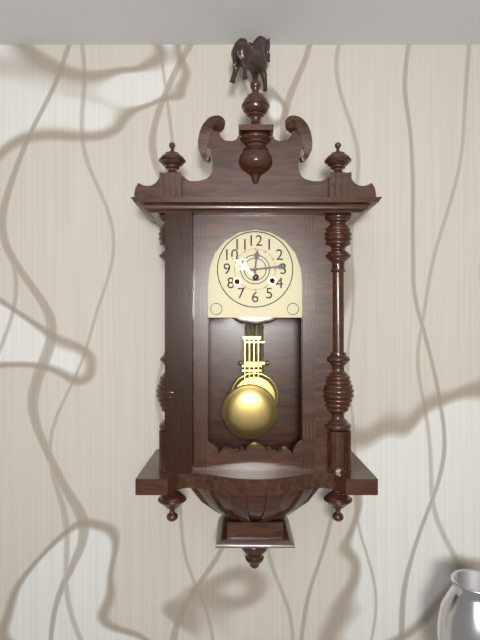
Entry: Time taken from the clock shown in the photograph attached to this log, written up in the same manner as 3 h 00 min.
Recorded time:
12 h 14 min
